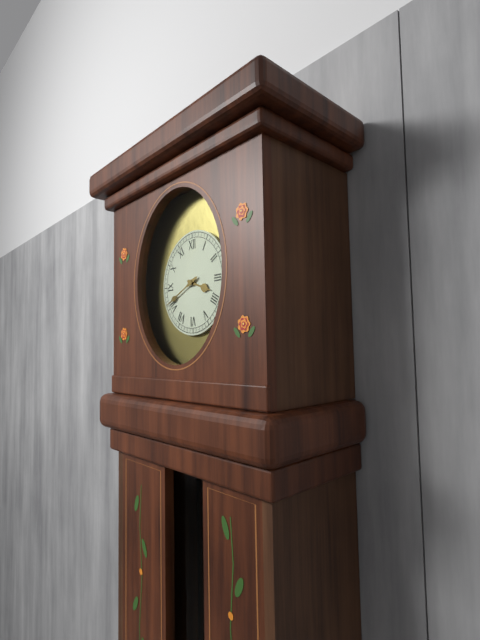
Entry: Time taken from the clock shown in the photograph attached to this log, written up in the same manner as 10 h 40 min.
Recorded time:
3 h 41 min
